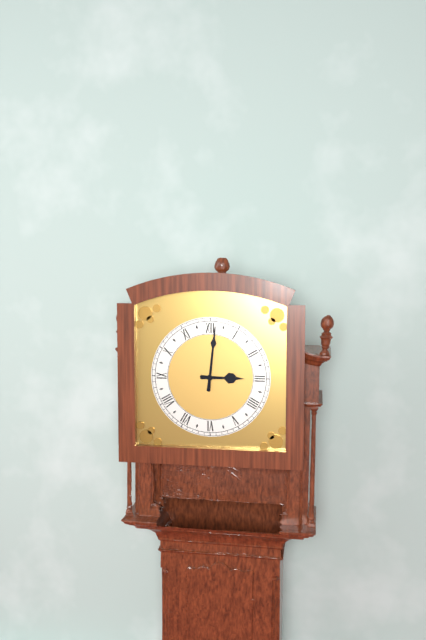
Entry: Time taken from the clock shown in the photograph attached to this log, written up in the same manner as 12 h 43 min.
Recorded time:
3 h 01 min
